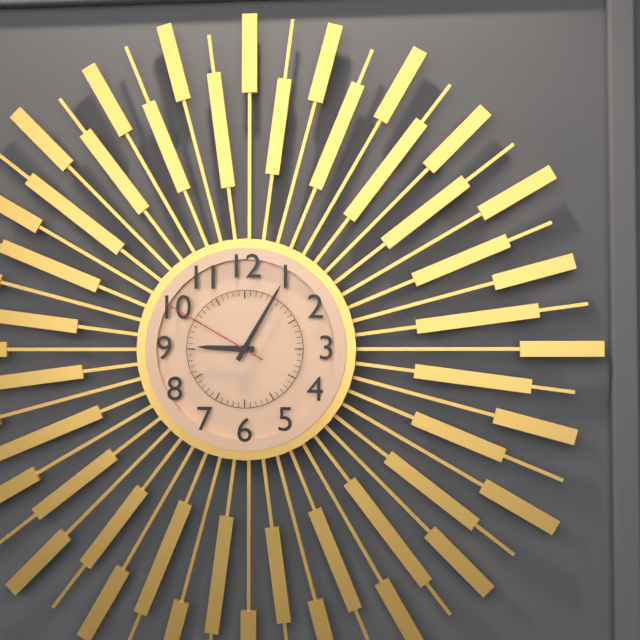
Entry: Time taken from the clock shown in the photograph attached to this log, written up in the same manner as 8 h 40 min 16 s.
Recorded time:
9 h 05 min 50 s
